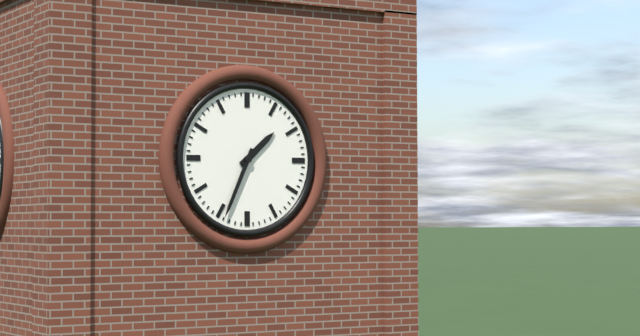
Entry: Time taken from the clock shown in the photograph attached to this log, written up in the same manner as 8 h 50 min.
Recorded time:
1 h 34 min
